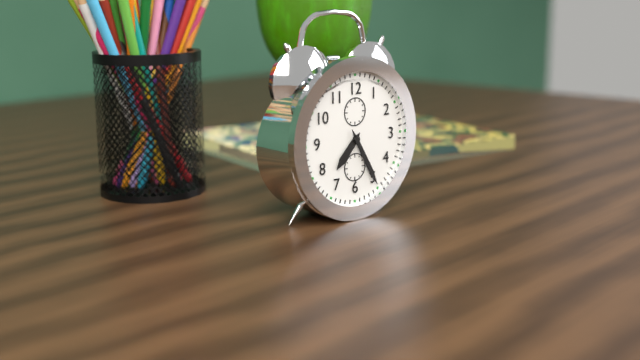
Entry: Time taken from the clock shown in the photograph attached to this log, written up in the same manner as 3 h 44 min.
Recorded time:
7 h 25 min
